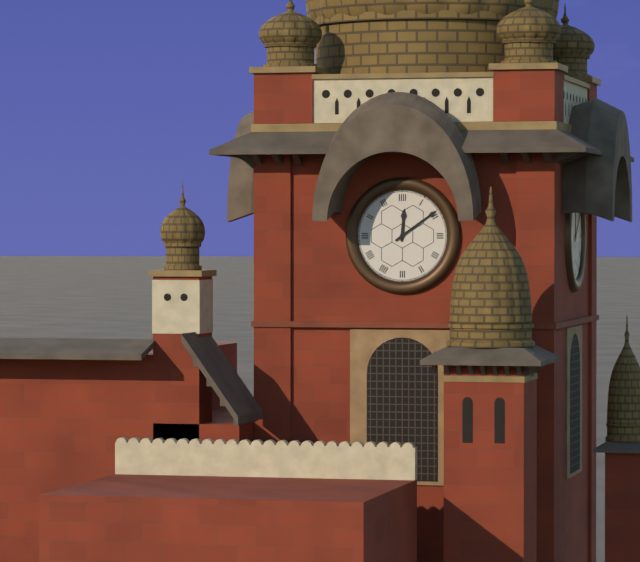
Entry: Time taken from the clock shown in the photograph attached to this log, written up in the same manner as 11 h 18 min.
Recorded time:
12 h 09 min
